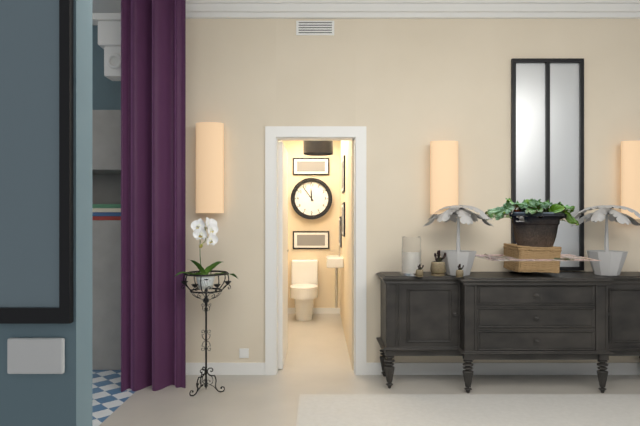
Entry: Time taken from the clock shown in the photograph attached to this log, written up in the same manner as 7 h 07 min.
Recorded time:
11 h 54 min
